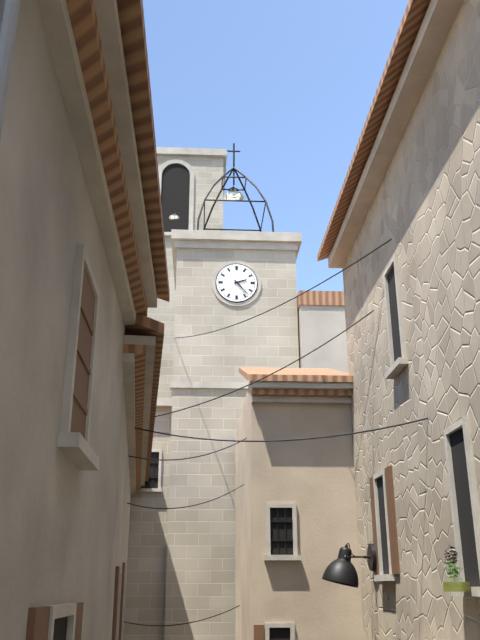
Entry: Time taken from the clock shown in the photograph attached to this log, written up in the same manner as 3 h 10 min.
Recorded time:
2 h 23 min
